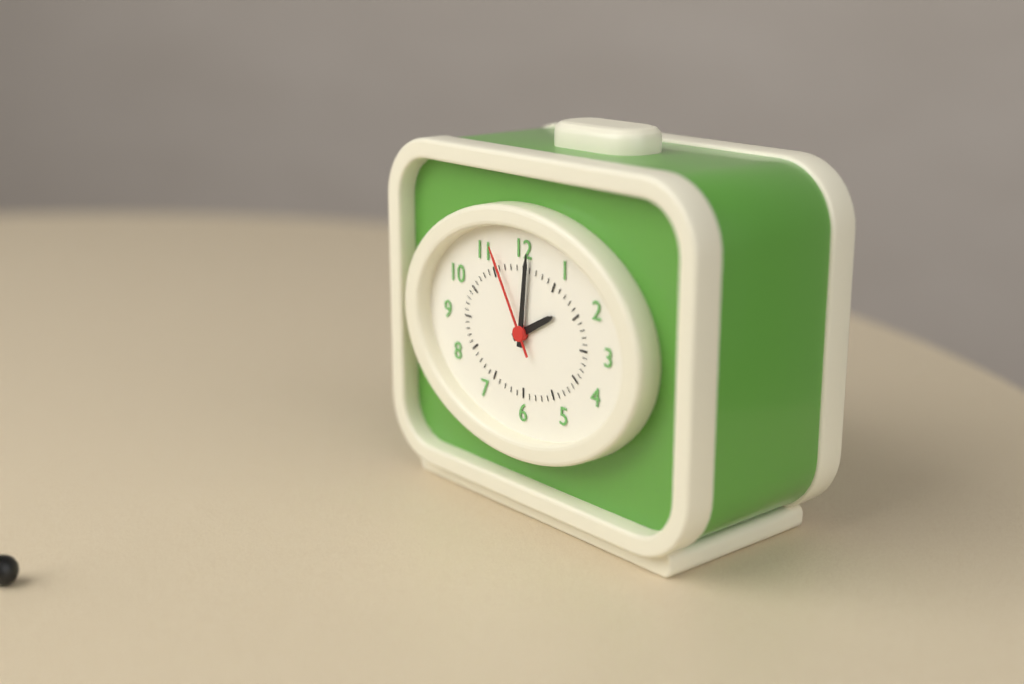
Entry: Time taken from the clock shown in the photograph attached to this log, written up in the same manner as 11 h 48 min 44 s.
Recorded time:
2 h 01 min 55 s
